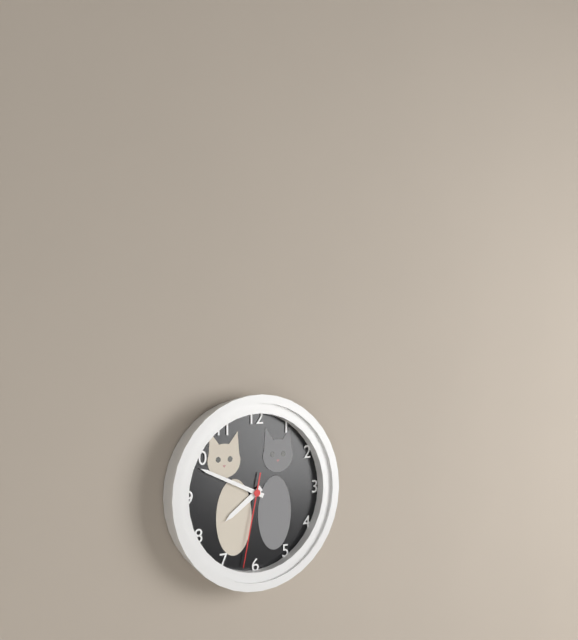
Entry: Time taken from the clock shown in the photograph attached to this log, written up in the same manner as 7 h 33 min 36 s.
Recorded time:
7 h 49 min 32 s
